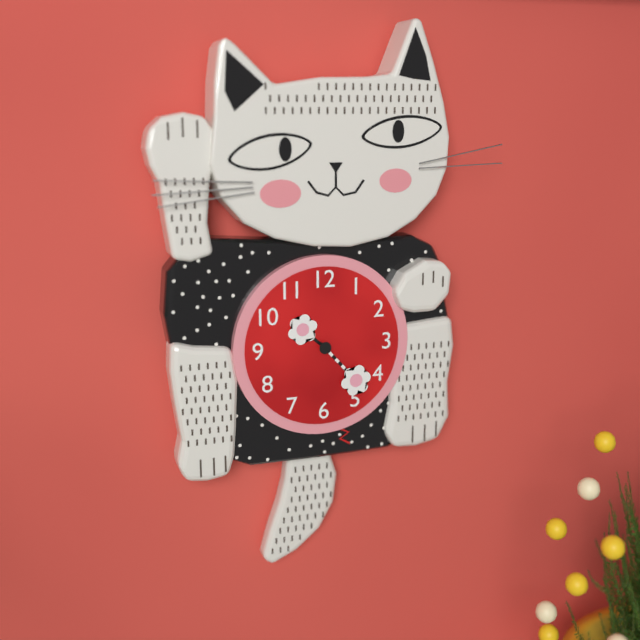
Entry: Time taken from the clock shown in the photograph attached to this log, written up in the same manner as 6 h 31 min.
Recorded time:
10 h 23 min
